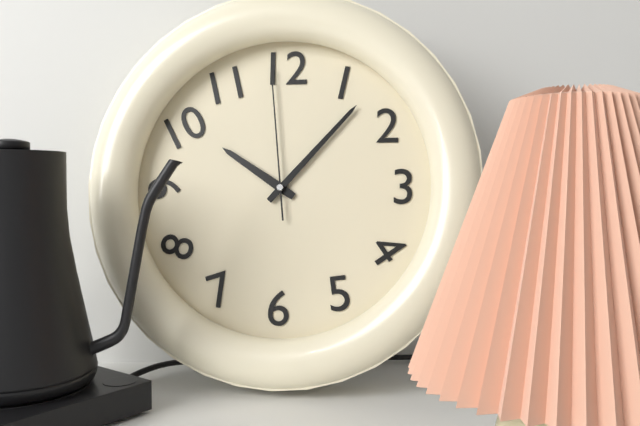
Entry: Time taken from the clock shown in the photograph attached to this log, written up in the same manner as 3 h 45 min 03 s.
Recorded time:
10 h 07 min 59 s
